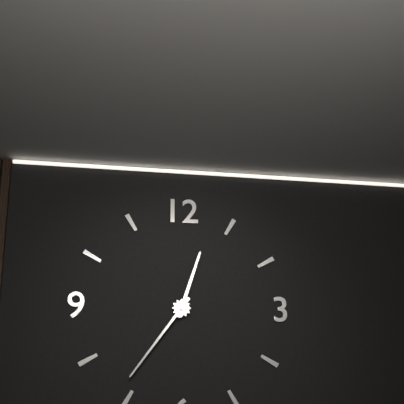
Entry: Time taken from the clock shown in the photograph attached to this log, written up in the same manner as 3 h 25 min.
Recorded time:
12 h 36 min
